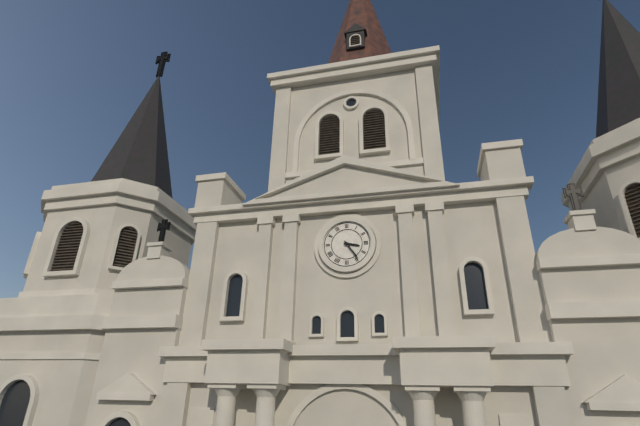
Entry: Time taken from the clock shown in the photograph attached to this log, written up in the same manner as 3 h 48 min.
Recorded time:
3 h 24 min
